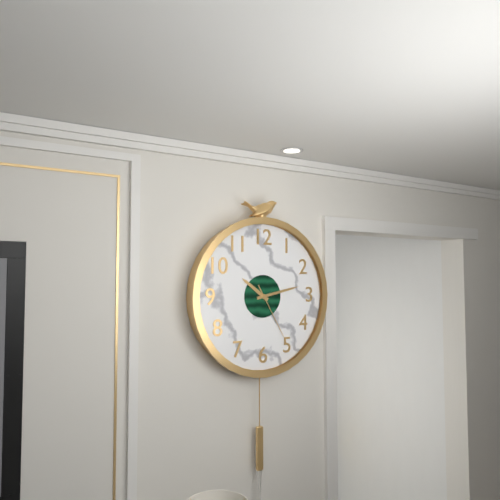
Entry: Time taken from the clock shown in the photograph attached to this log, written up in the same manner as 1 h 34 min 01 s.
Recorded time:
10 h 13 min 25 s
